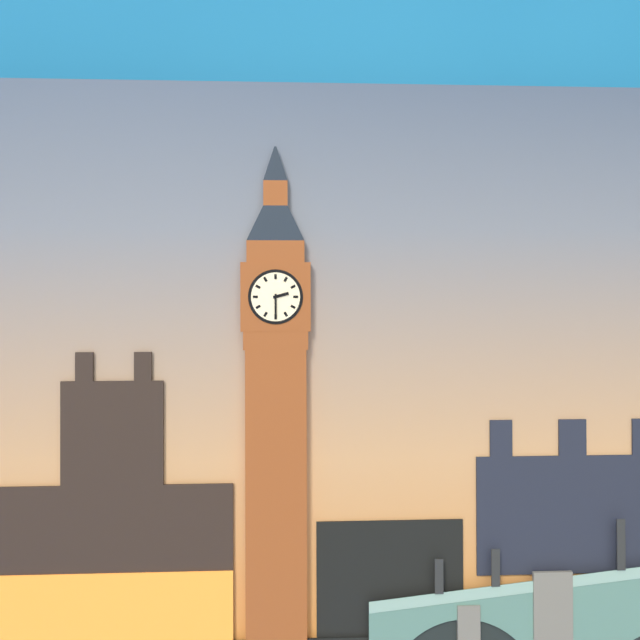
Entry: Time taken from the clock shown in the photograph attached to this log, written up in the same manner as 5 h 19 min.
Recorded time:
2 h 30 min
